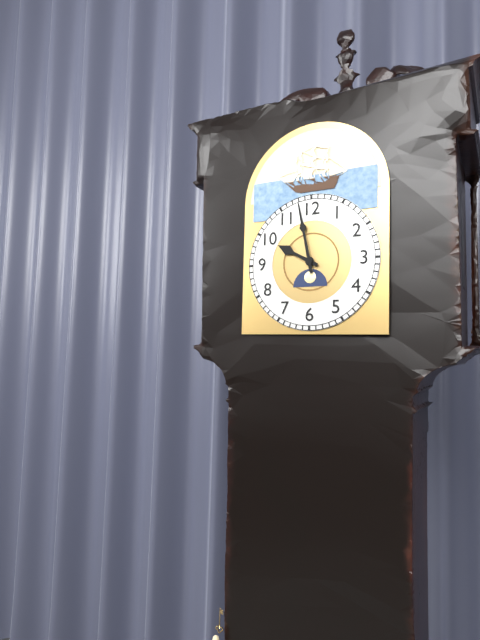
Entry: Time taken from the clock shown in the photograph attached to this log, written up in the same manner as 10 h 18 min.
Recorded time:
9 h 58 min
